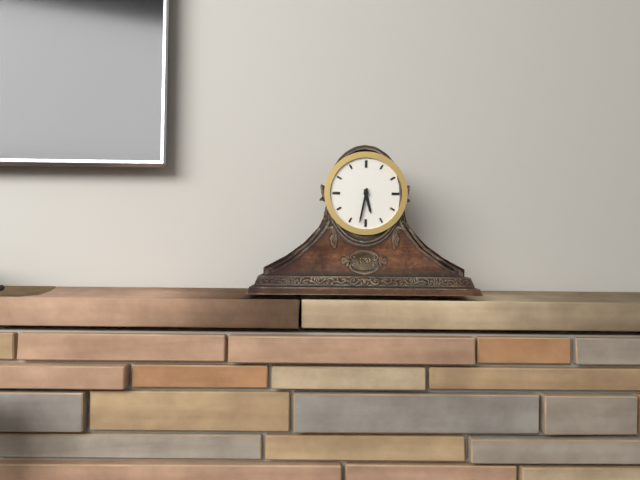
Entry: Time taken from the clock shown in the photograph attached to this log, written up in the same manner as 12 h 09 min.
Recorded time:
5 h 32 min
